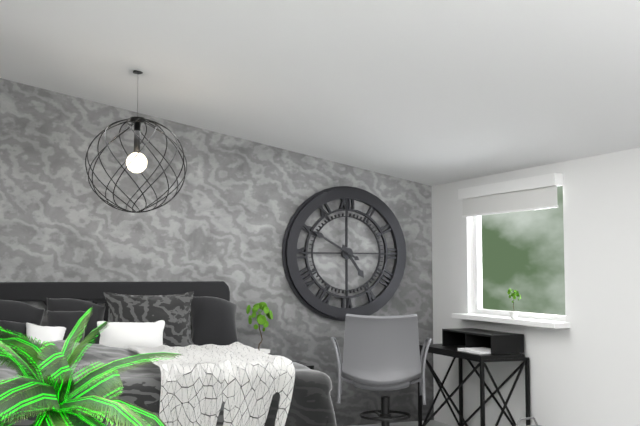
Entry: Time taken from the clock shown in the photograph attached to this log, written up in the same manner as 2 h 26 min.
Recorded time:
4 h 50 min
